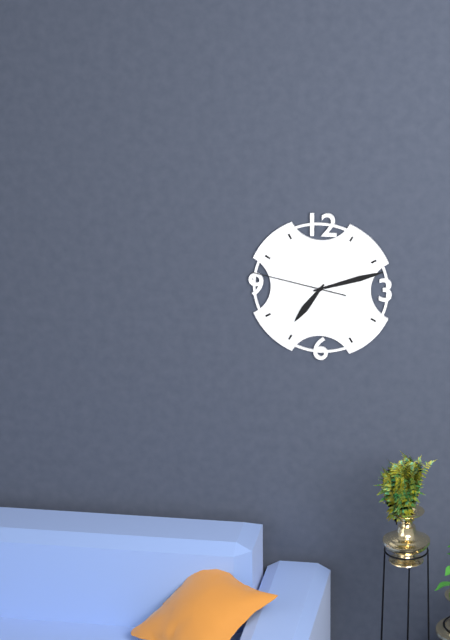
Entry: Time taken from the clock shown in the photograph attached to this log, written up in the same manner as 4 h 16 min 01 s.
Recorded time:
7 h 12 min 47 s
